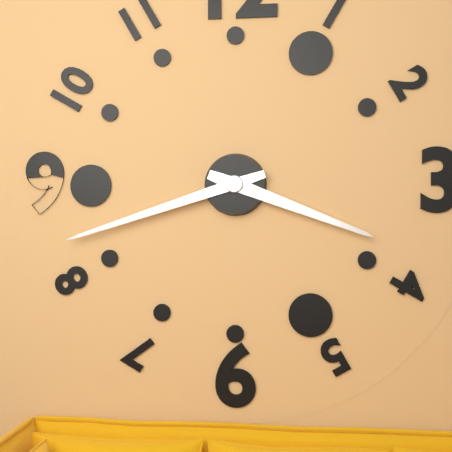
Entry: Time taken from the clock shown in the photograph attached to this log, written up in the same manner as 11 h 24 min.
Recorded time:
3 h 42 min
